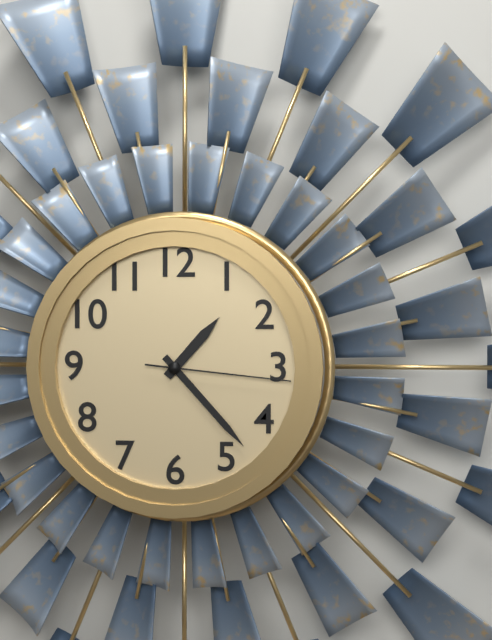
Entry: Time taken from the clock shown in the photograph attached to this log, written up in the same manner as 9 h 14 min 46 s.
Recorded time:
1 h 23 min 16 s
